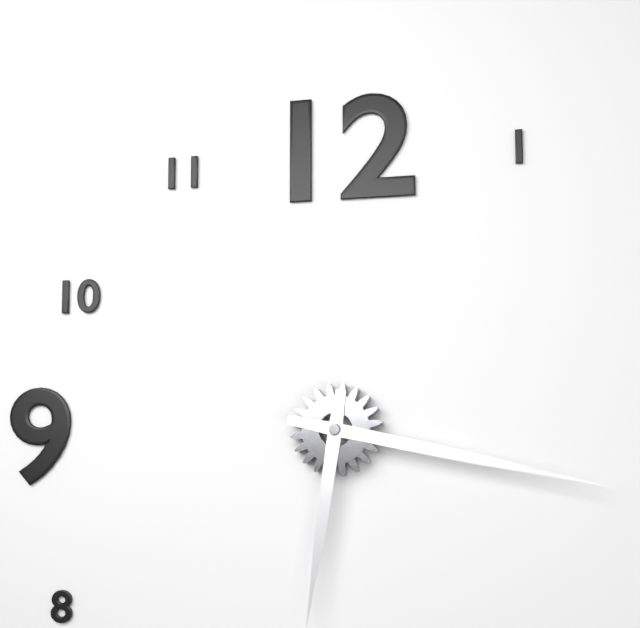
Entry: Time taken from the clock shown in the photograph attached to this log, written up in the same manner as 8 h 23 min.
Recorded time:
6 h 17 min
